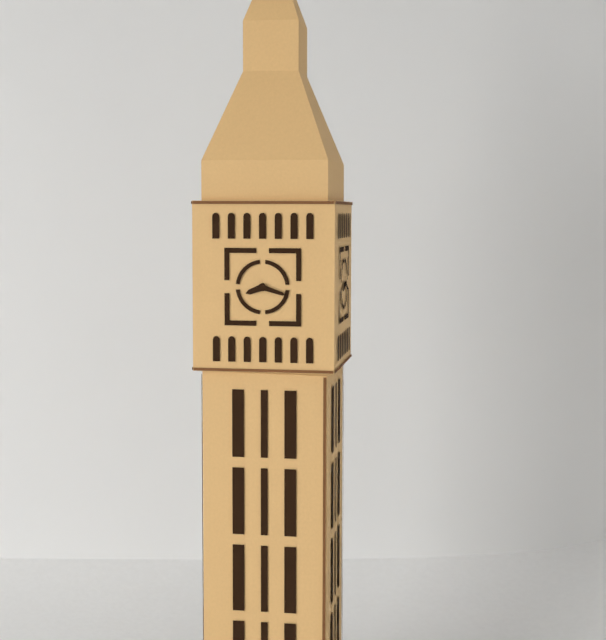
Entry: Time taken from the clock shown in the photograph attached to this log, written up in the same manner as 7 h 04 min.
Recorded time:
8 h 18 min
